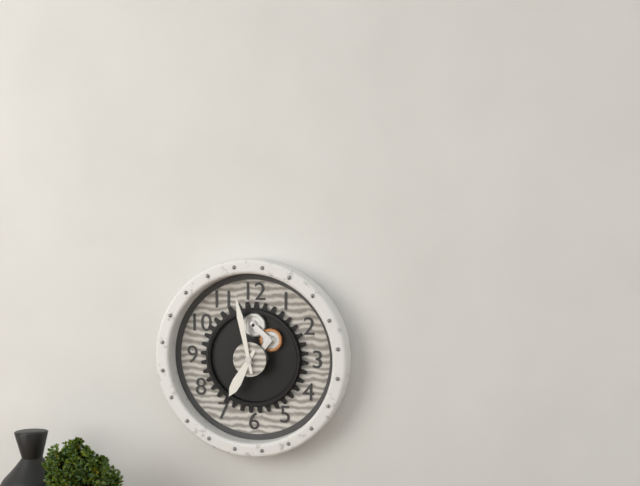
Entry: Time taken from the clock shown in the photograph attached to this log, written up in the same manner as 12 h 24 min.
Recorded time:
6 h 58 min
